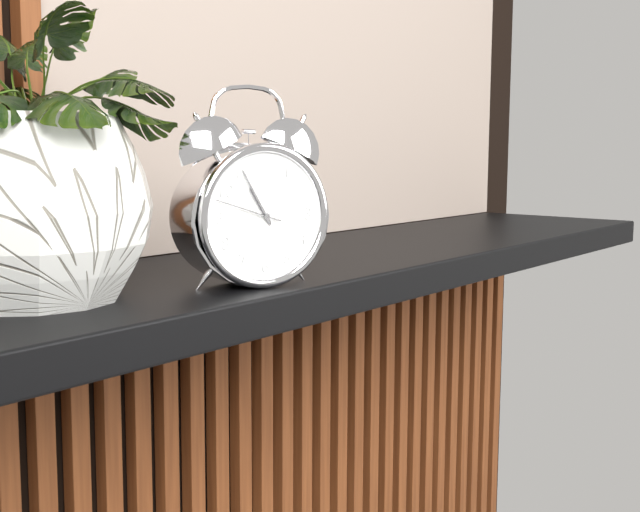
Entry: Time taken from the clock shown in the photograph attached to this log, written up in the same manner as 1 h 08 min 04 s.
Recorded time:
10 h 55 min 48 s
